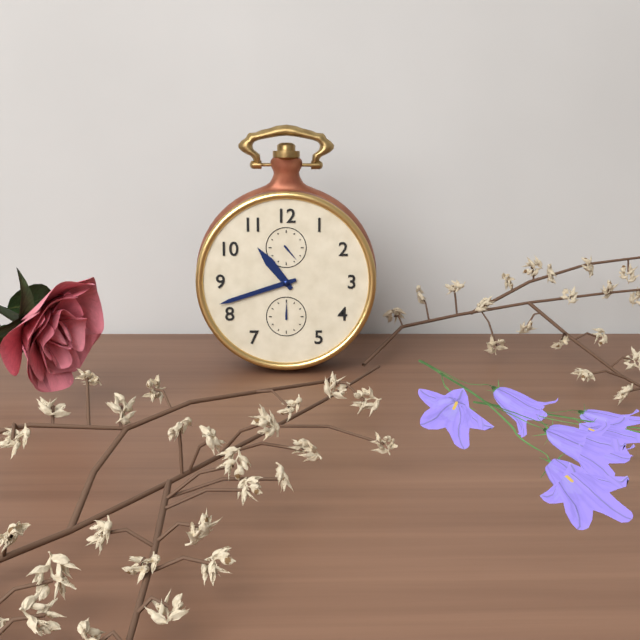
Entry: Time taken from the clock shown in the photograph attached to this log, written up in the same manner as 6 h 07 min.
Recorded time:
10 h 42 min
